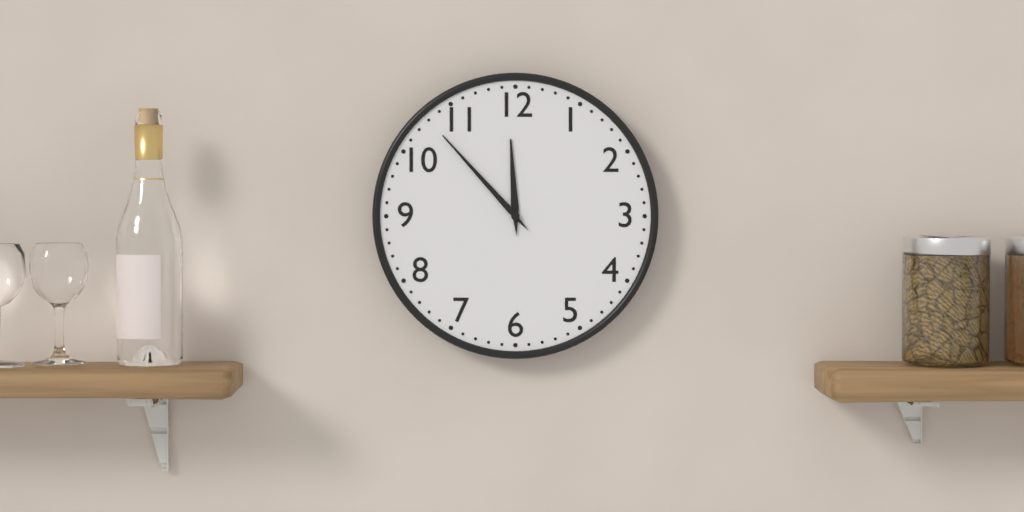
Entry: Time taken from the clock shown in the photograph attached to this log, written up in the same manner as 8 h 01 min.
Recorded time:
11 h 53 min
